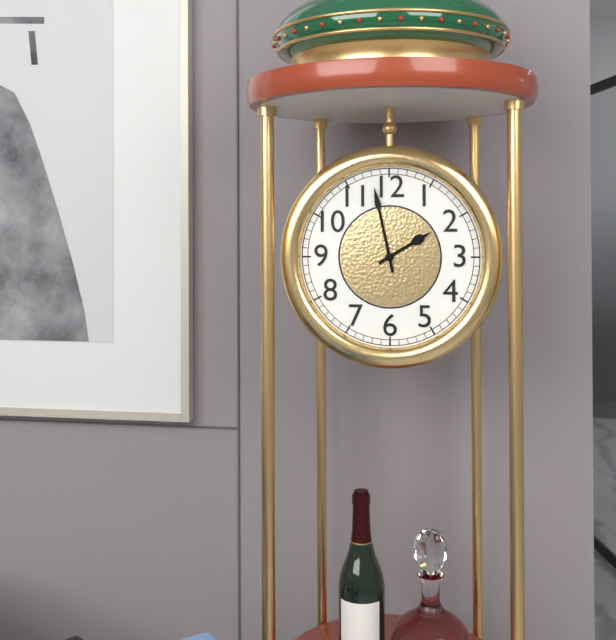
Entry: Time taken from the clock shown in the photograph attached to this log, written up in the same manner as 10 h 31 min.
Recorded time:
1 h 58 min
